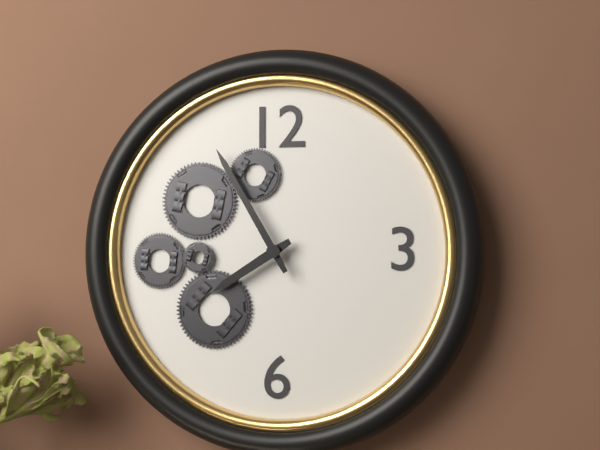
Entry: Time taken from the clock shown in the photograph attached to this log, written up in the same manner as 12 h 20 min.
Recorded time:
7 h 55 min
